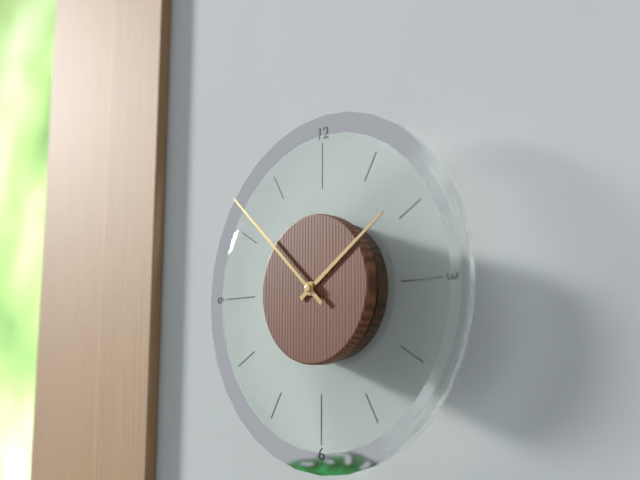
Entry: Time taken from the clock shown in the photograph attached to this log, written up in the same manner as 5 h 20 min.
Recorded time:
1 h 52 min
